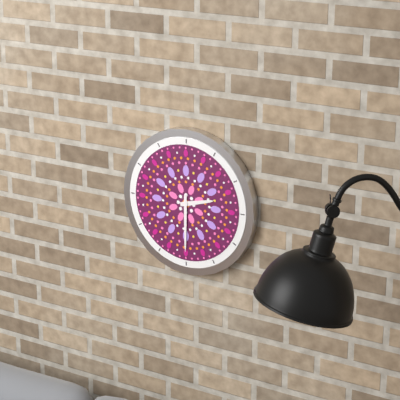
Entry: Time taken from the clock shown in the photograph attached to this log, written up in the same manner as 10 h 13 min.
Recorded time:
2 h 30 min
